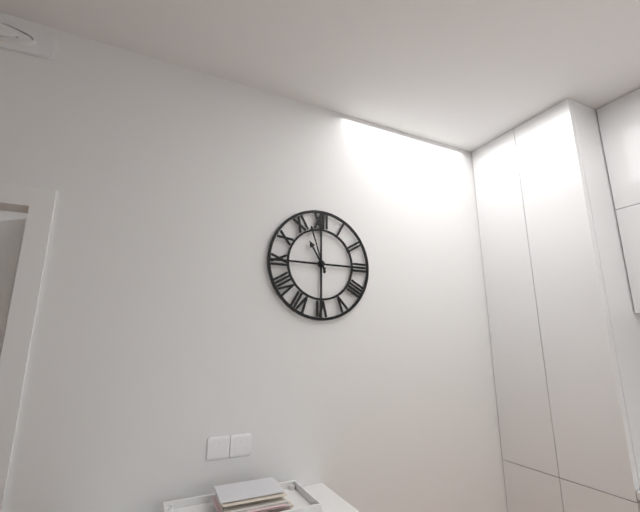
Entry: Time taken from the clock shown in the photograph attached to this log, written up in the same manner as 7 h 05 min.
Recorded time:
10 h 57 min
